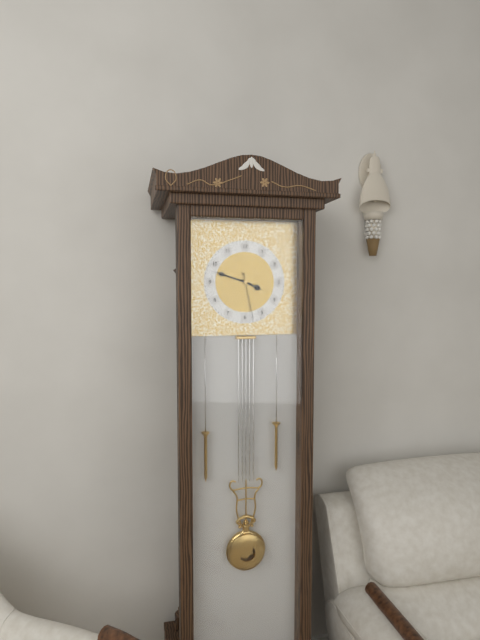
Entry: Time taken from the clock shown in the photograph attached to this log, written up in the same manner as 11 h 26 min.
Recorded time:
3 h 48 min
